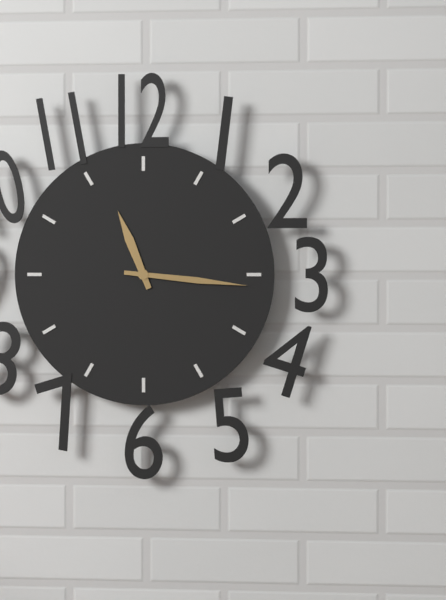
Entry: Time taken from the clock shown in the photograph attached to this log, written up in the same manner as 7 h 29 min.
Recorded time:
11 h 16 min
